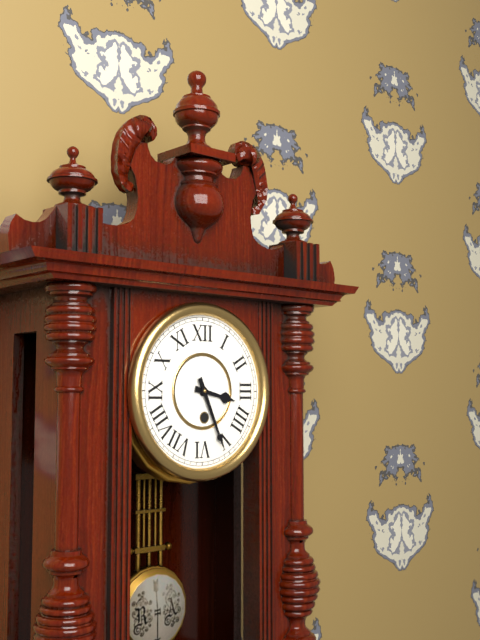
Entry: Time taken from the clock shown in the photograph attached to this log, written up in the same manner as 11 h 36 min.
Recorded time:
3 h 26 min
